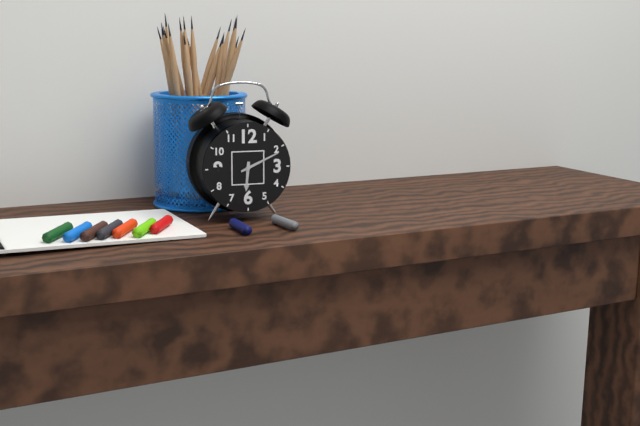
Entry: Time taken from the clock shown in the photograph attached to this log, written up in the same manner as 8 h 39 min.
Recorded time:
6 h 11 min
